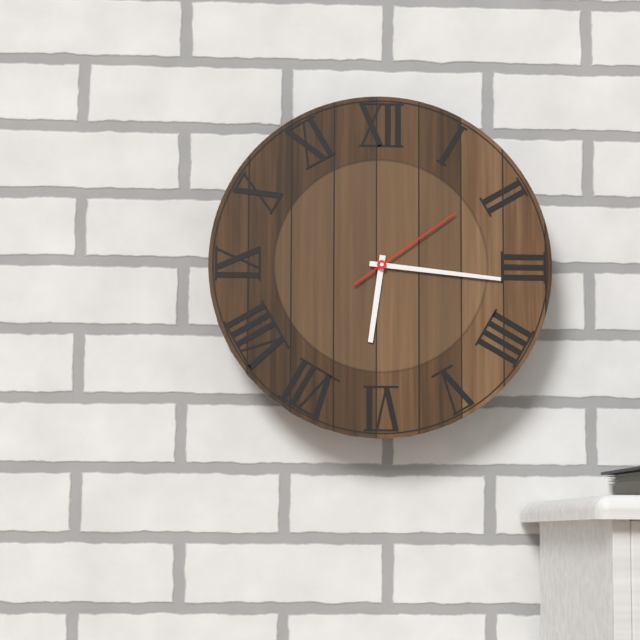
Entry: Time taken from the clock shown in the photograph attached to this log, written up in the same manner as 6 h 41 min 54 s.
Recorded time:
6 h 16 min 09 s
